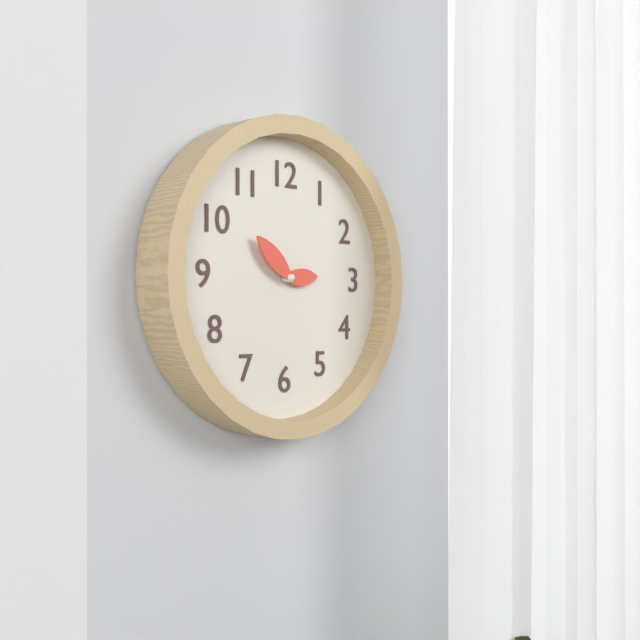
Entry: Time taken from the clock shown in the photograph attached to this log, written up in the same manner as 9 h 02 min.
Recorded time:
2 h 52 min
